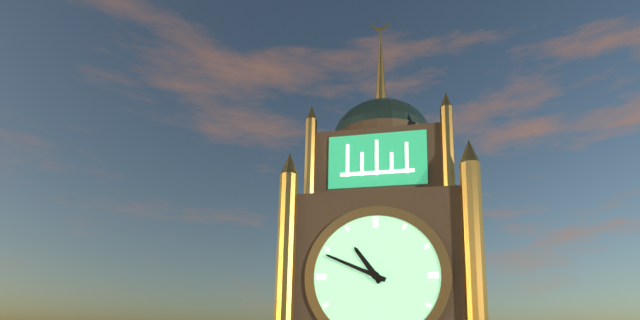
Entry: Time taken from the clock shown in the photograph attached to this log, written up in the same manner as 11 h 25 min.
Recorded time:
10 h 49 min
